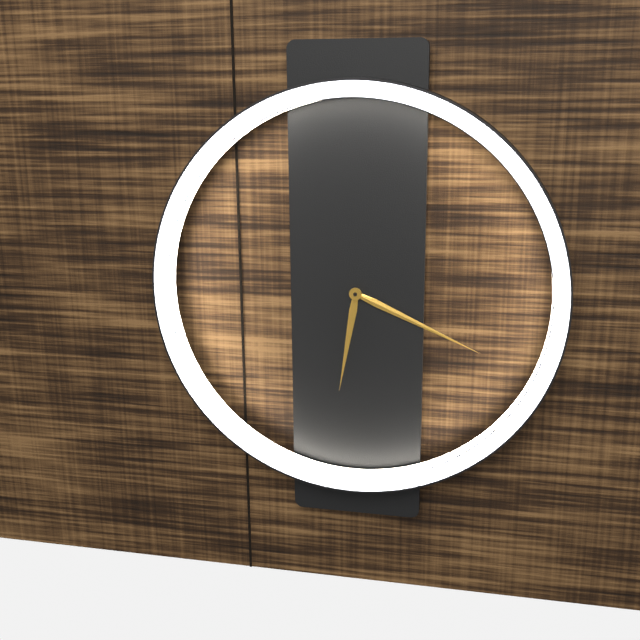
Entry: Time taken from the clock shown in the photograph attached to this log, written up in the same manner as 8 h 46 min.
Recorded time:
6 h 19 min
